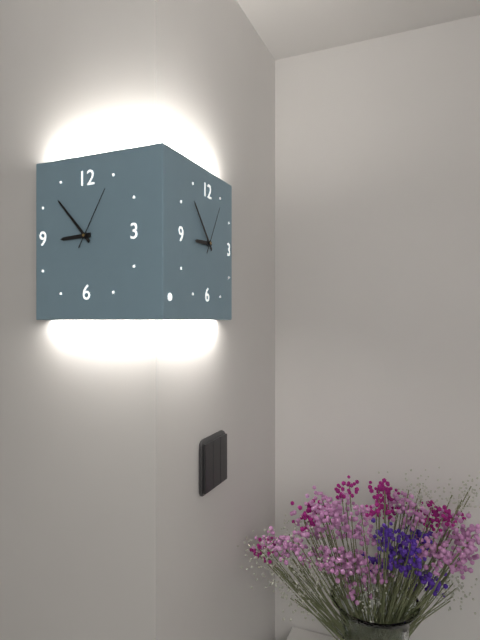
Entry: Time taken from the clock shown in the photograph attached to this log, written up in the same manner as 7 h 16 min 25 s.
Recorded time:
8 h 53 min 05 s
